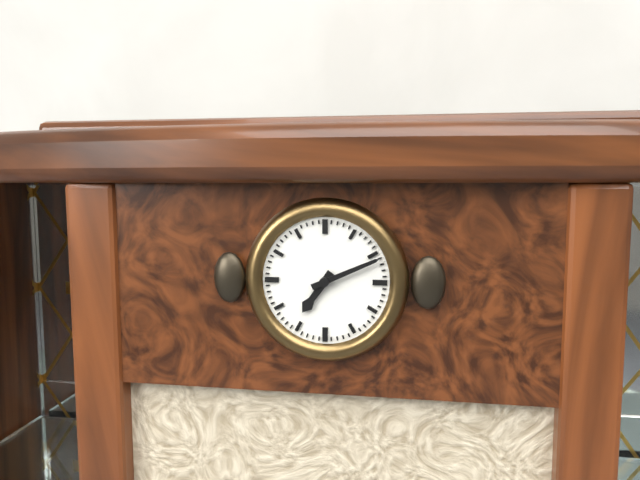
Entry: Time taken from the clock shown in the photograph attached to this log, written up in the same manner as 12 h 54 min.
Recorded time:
7 h 11 min
